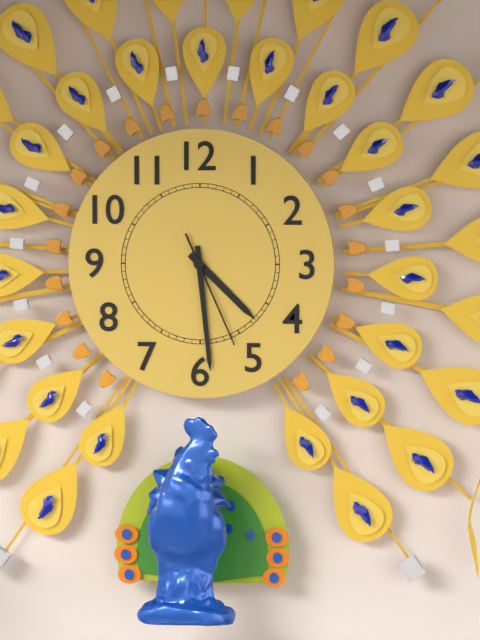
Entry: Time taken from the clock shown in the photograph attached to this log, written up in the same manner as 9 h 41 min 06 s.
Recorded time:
4 h 29 min 26 s
